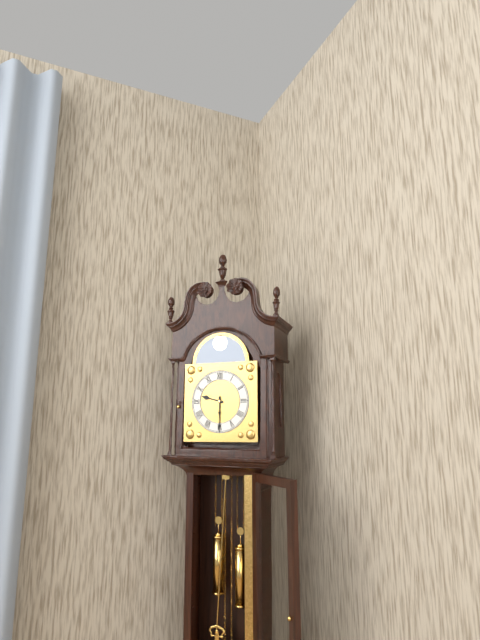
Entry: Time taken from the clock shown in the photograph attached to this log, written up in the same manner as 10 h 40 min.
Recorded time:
9 h 30 min
